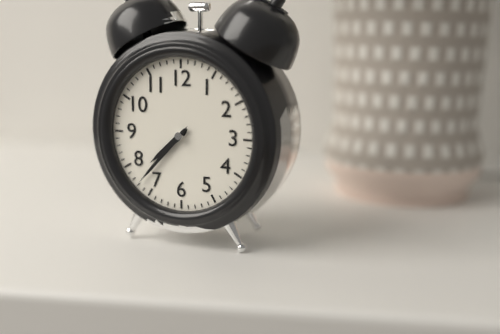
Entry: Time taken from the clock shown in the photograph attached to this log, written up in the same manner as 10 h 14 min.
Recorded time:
7 h 37 min
